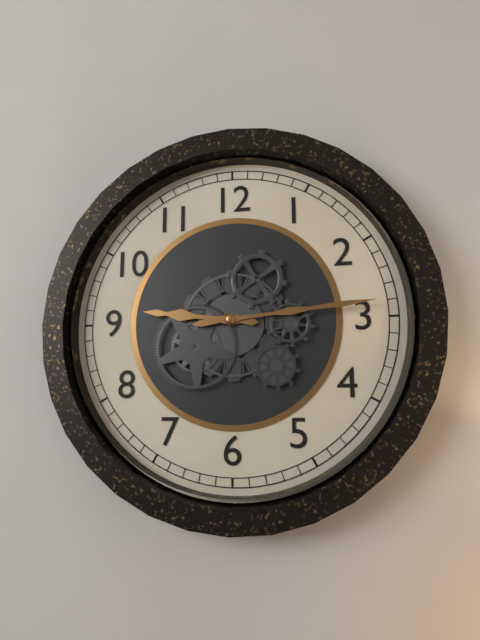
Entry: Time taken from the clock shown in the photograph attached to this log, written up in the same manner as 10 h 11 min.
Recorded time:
9 h 14 min
